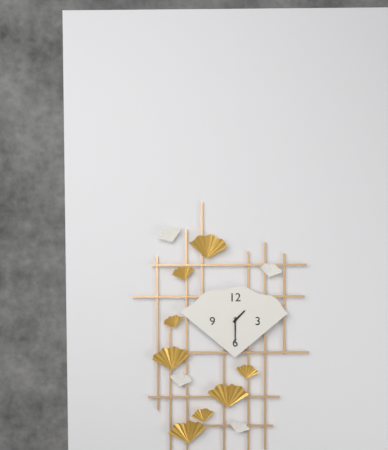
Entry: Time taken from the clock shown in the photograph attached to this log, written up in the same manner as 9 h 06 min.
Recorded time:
1 h 30 min
